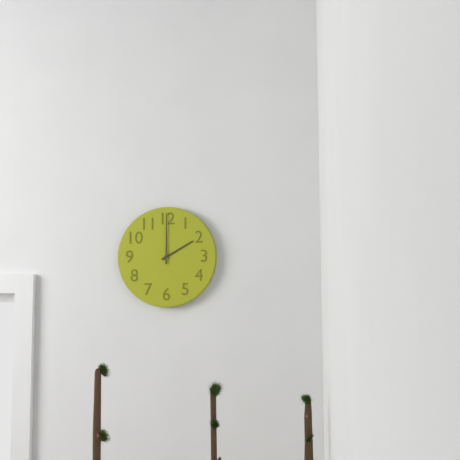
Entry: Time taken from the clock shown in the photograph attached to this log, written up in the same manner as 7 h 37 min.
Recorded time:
2 h 00 min
